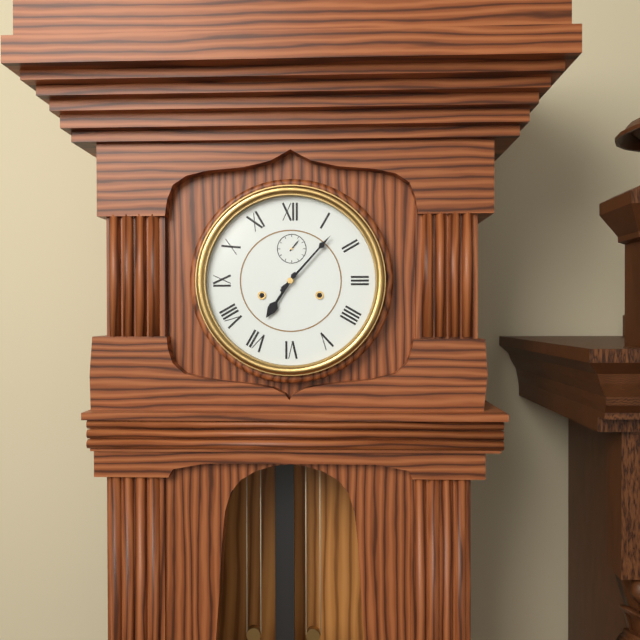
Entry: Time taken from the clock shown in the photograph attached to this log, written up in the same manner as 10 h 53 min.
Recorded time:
7 h 07 min
